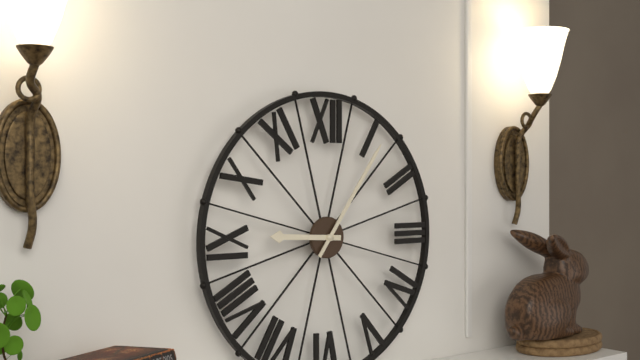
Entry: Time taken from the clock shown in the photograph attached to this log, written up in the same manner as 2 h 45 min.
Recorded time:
9 h 06 min
